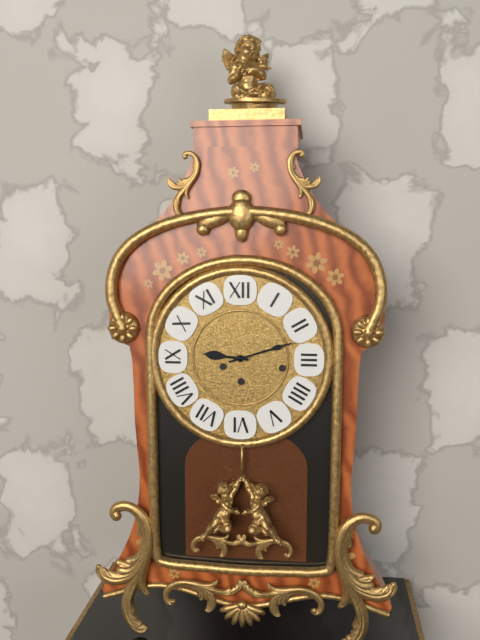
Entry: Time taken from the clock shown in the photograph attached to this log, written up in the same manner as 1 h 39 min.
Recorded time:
9 h 12 min
